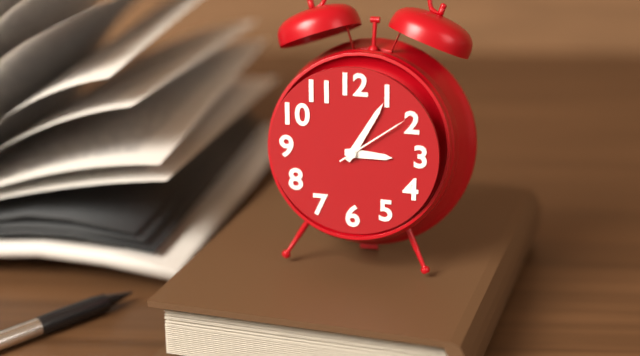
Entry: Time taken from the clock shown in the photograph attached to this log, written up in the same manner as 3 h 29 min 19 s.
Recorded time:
3 h 05 min 09 s
